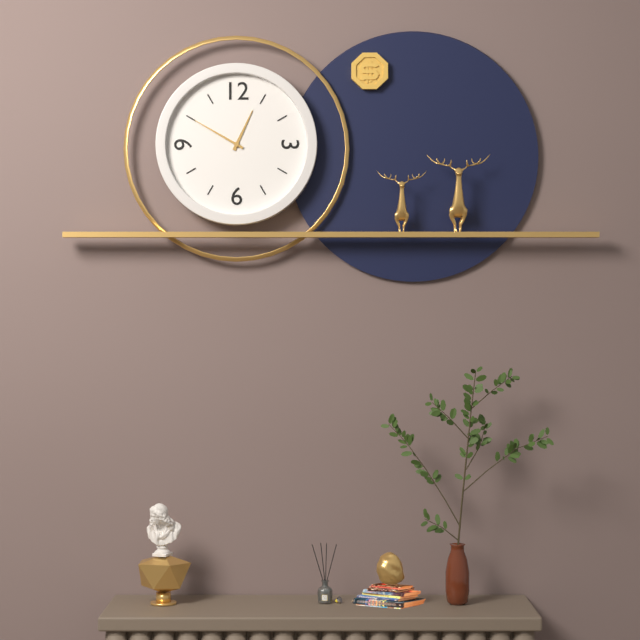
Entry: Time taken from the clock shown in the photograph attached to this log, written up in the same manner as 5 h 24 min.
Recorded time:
12 h 50 min
